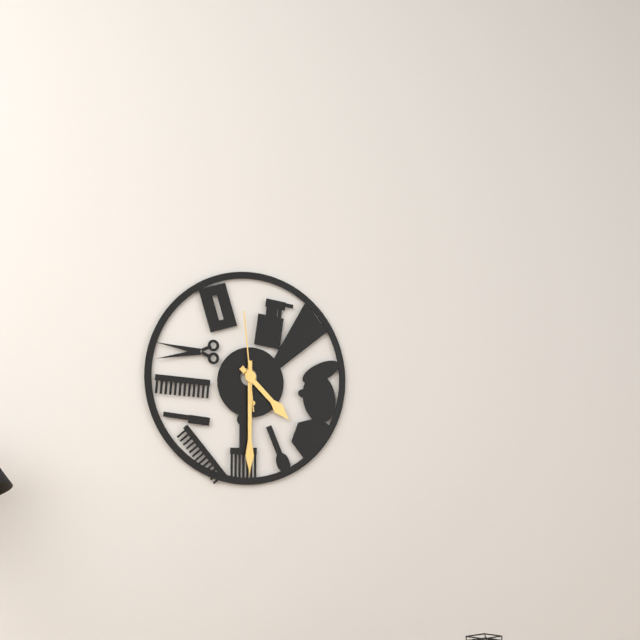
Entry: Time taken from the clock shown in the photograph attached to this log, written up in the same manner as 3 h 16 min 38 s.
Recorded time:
4 h 30 min 59 s
